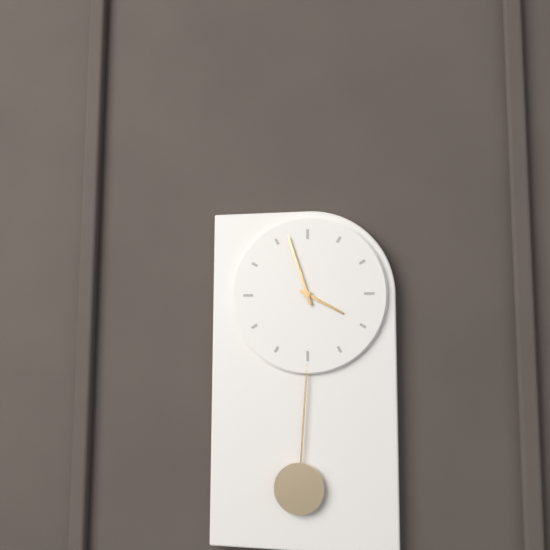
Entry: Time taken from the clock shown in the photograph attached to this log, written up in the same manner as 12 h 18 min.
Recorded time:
3 h 57 min
